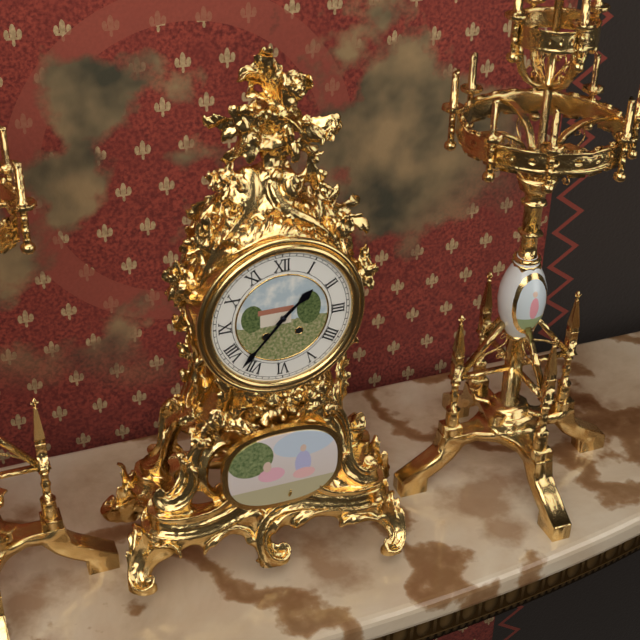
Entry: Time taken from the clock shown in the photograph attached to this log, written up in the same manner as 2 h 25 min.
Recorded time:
1 h 37 min
